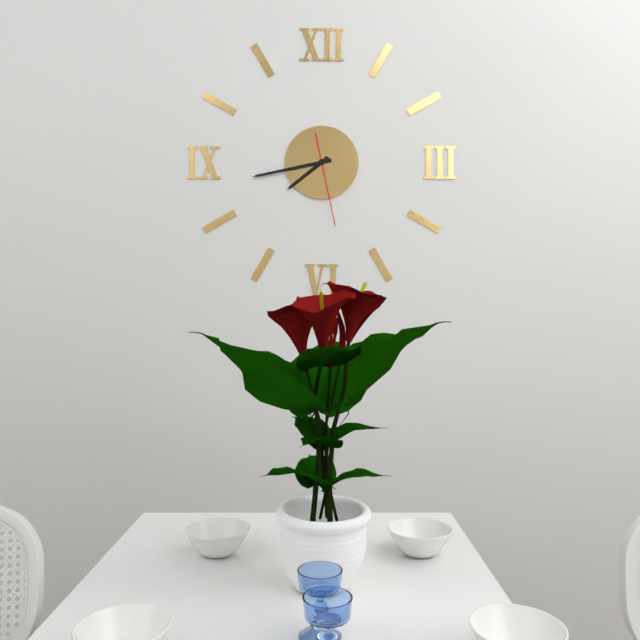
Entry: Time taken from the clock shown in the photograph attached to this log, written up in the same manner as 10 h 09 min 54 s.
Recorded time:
7 h 43 min 28 s
